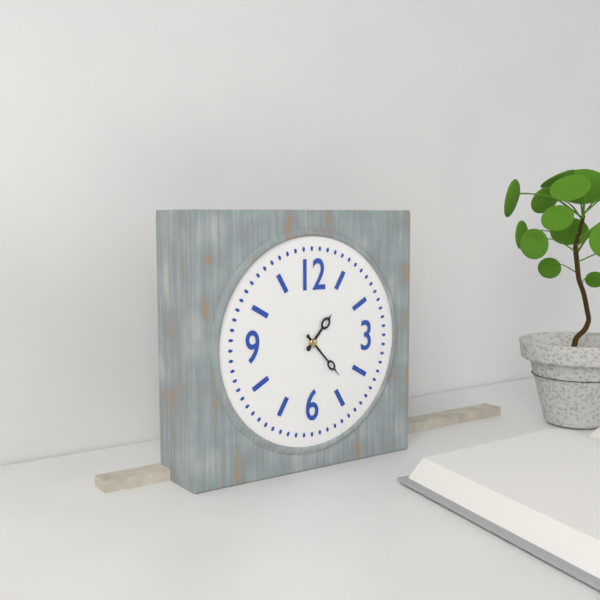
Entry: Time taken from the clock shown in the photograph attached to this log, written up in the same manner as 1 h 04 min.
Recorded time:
1 h 23 min
